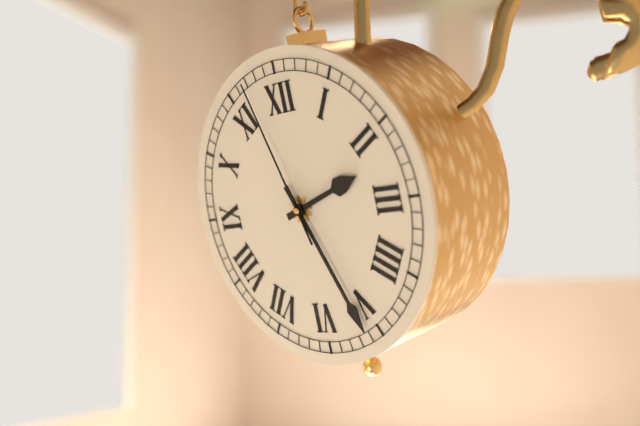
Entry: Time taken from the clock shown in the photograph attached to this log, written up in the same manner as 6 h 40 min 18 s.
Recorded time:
2 h 26 min 57 s
